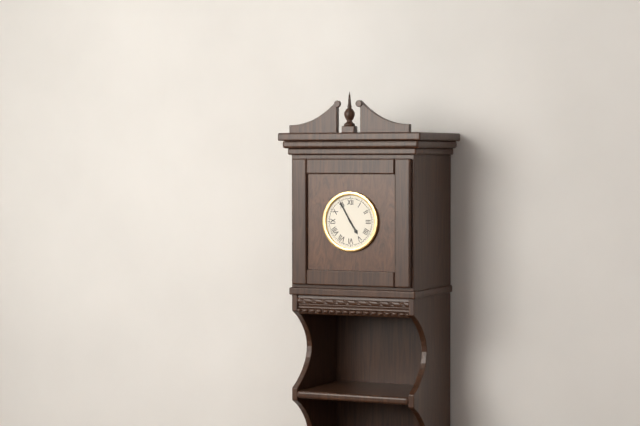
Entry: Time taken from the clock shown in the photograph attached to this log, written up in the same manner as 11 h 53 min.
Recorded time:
4 h 55 min
